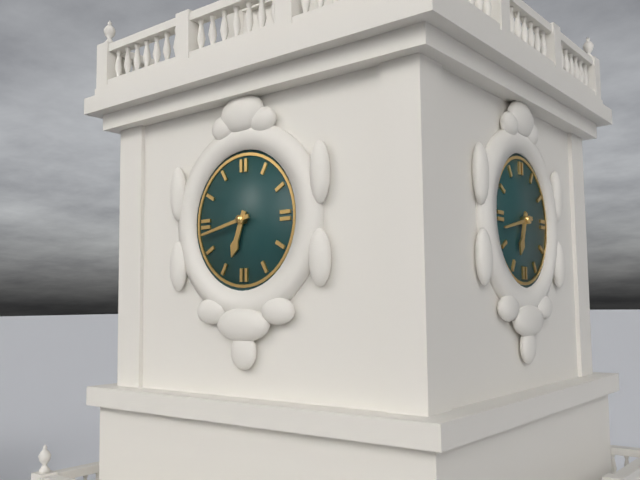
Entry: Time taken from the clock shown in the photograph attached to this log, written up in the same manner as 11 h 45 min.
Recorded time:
6 h 43 min
